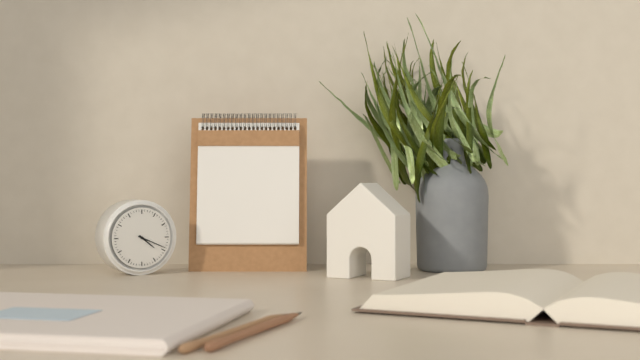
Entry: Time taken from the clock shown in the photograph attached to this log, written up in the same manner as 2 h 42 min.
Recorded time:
4 h 19 min
